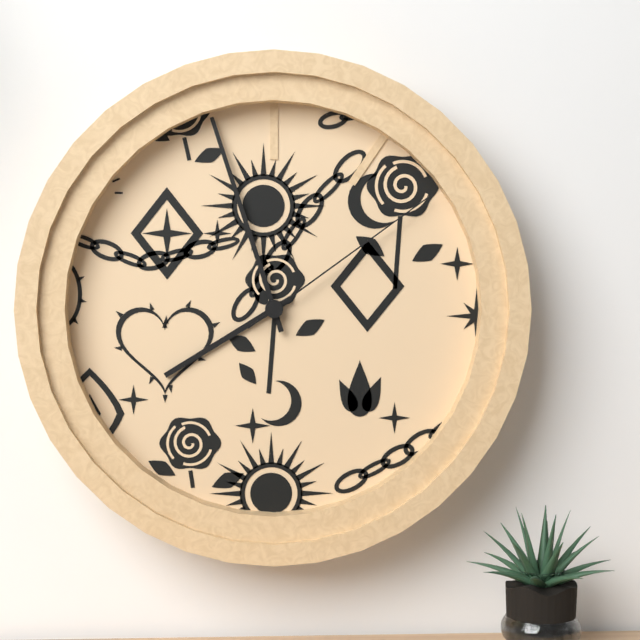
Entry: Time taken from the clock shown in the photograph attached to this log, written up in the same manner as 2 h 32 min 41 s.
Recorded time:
7 h 57 min 09 s
